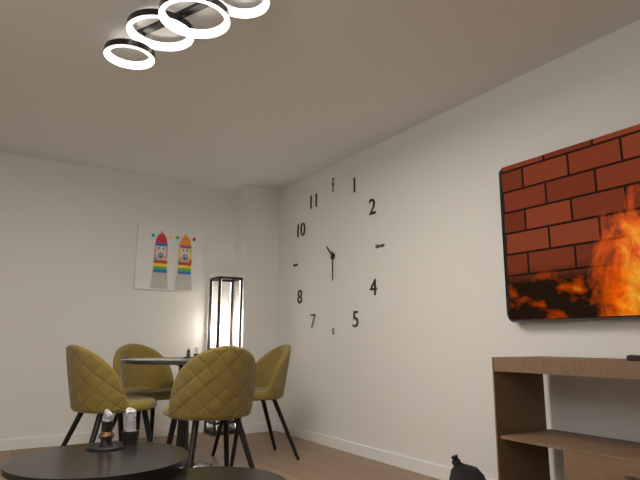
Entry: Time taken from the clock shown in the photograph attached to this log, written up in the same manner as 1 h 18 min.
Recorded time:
10 h 30 min
